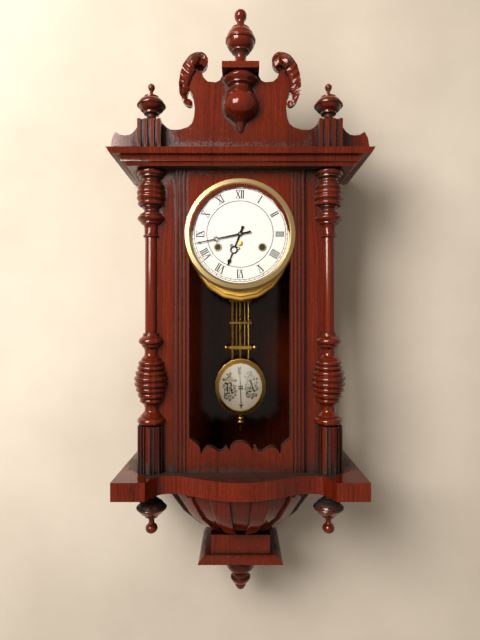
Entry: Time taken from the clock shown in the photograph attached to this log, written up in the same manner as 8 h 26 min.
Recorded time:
6 h 43 min
